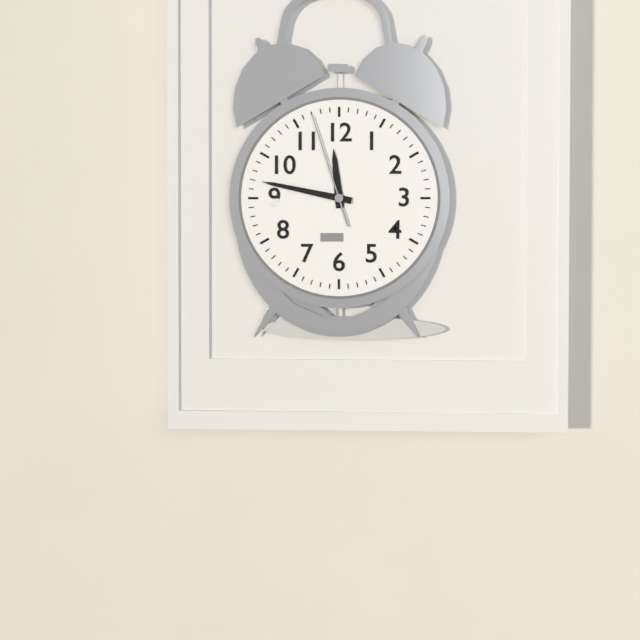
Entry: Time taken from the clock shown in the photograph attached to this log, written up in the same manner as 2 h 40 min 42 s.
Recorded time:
11 h 47 min 57 s
